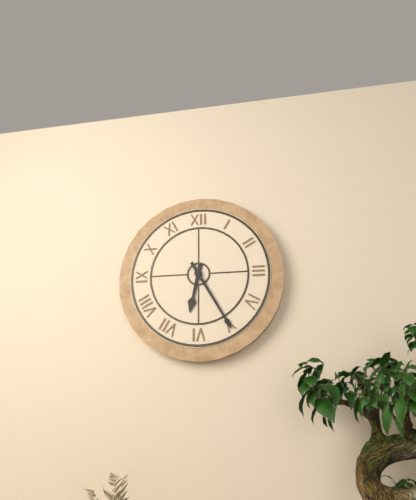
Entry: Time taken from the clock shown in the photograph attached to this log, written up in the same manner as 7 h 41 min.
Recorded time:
6 h 25 min
